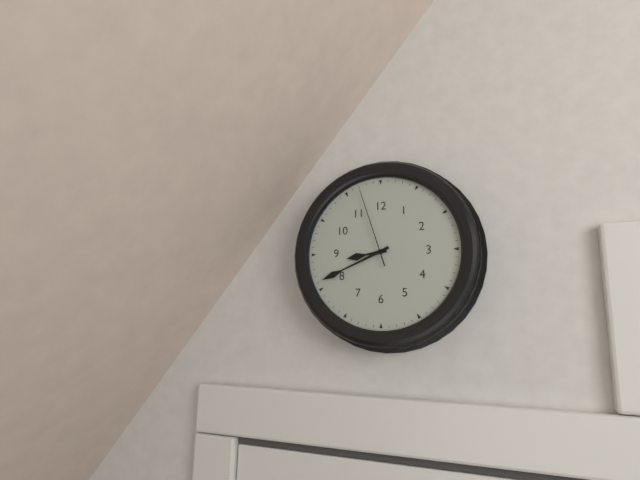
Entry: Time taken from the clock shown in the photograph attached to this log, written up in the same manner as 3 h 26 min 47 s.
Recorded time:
8 h 41 min 57 s
